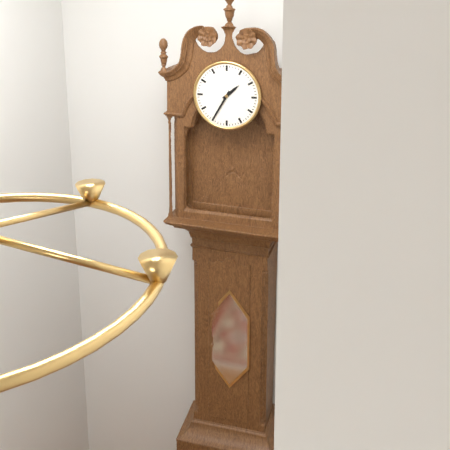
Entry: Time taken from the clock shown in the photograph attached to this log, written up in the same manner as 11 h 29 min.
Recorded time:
1 h 35 min
